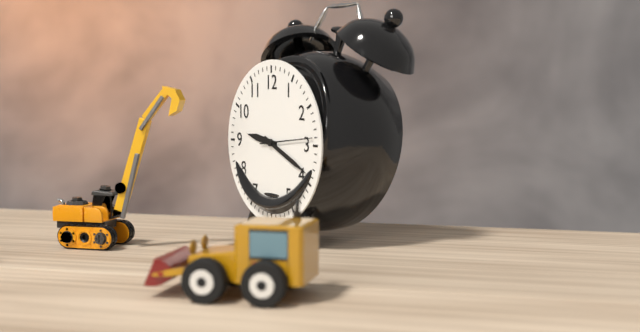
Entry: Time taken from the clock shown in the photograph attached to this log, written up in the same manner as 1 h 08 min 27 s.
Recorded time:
9 h 19 min 14 s
